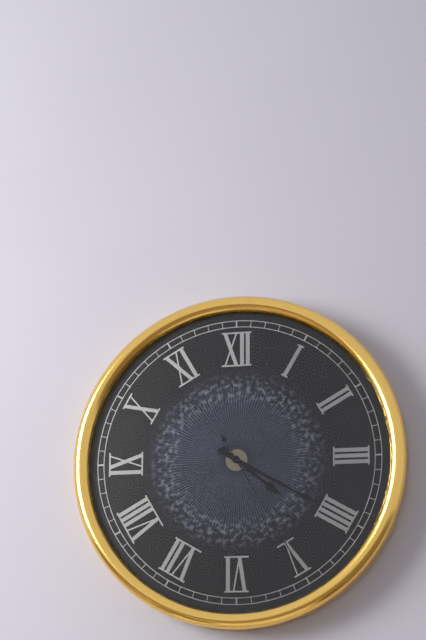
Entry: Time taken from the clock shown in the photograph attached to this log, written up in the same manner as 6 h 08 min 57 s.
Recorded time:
4 h 20 min 25 s
